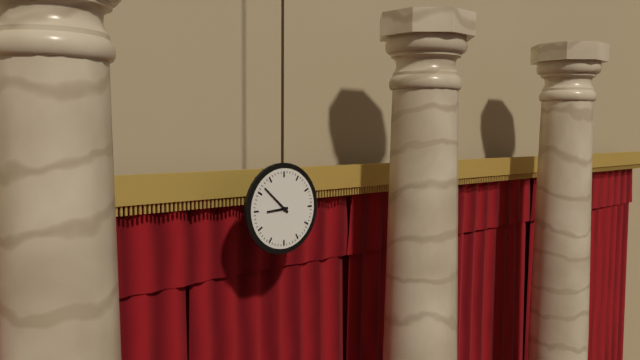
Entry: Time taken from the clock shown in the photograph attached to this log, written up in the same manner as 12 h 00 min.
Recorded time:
8 h 52 min
